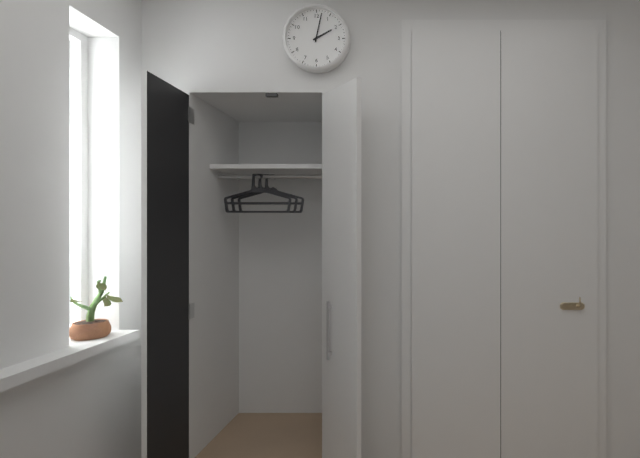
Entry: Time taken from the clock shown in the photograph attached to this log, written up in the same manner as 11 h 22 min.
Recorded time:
2 h 02 min
